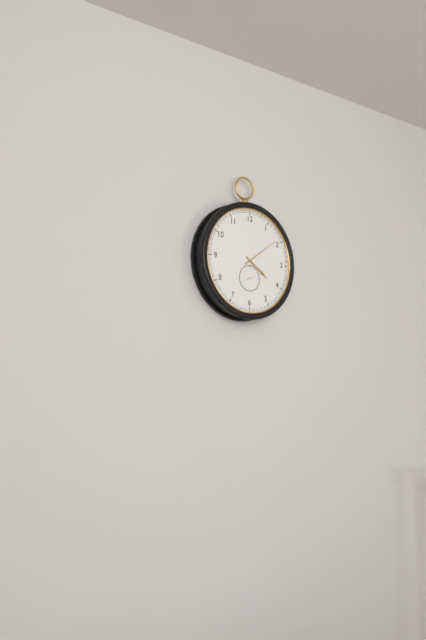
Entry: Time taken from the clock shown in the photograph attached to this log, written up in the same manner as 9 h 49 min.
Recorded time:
4 h 09 min
